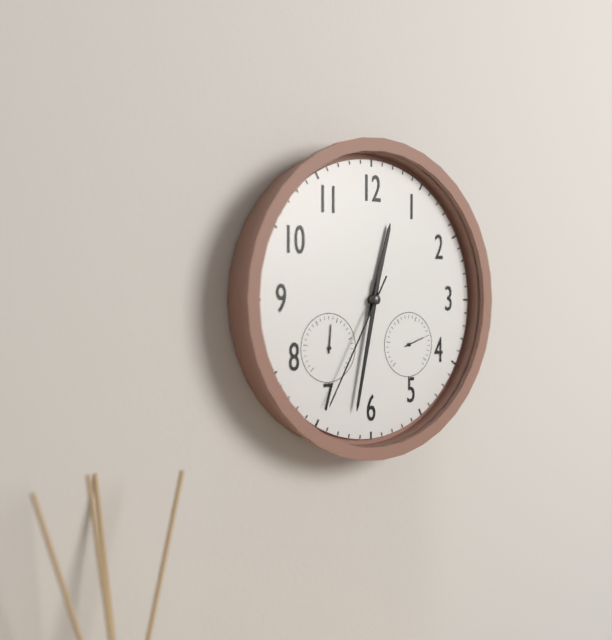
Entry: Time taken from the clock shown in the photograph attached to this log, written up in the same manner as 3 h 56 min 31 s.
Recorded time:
12 h 32 min 35 s
